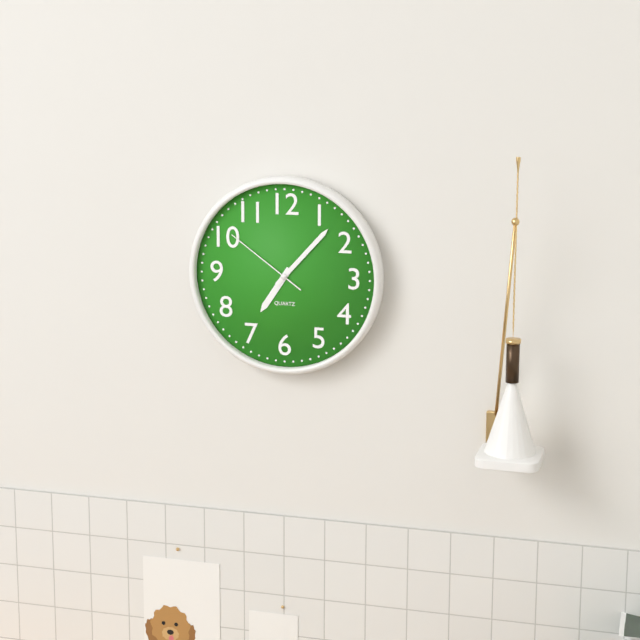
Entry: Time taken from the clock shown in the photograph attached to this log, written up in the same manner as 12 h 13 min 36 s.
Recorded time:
7 h 07 min 51 s
